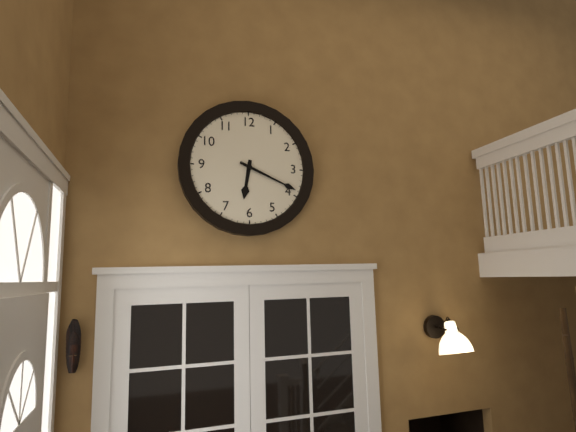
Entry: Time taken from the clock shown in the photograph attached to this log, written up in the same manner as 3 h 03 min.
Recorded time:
6 h 19 min
